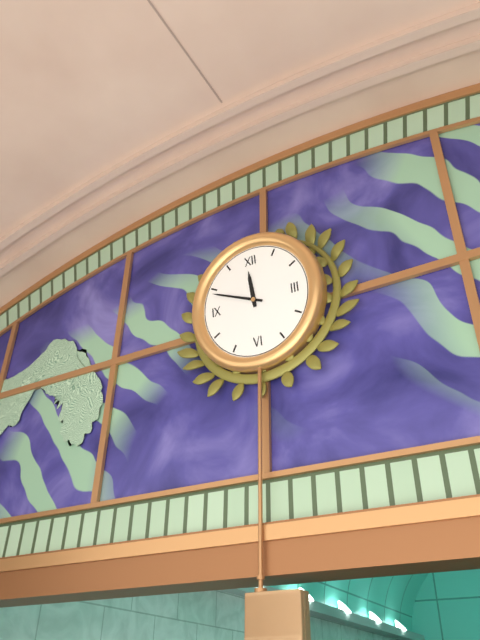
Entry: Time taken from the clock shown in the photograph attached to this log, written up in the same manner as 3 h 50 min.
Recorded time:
11 h 49 min
